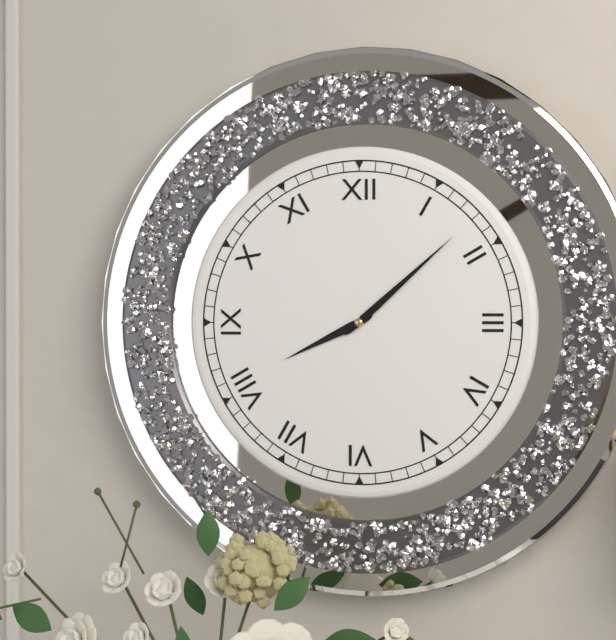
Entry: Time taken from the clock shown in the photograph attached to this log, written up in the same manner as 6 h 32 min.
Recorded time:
8 h 08 min
